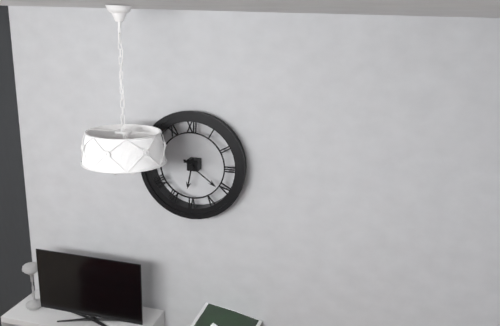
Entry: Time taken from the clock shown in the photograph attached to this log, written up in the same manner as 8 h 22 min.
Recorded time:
6 h 21 min
